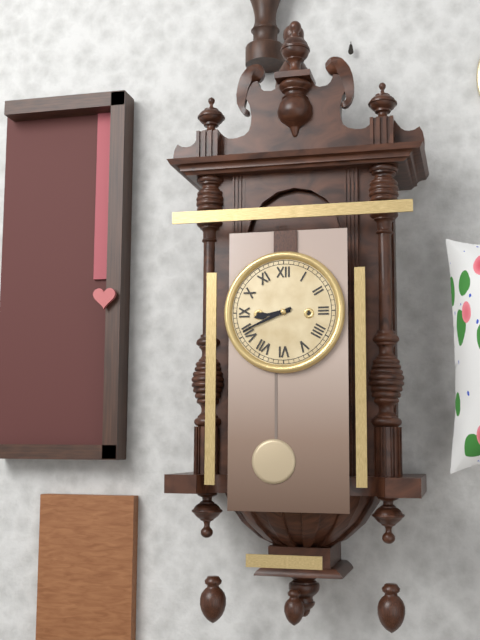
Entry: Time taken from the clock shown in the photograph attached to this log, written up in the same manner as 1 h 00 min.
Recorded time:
8 h 41 min
